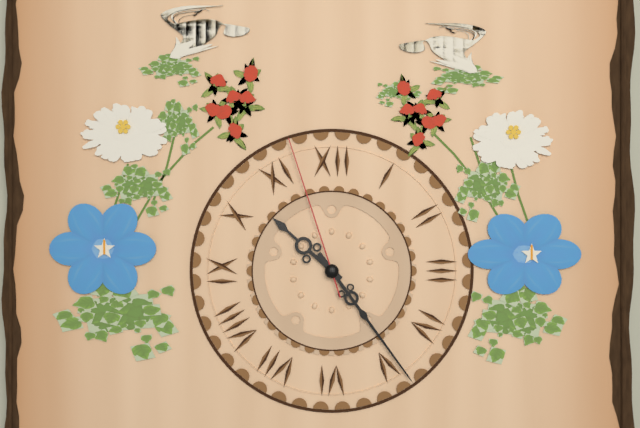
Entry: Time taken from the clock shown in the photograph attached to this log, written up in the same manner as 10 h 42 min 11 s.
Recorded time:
10 h 24 min 57 s
